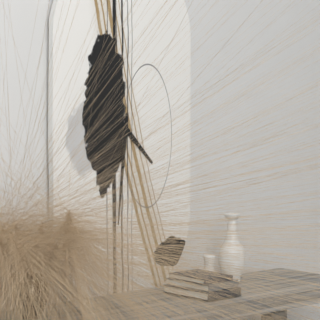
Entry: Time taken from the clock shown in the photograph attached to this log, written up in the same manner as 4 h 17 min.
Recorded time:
4 h 31 min
